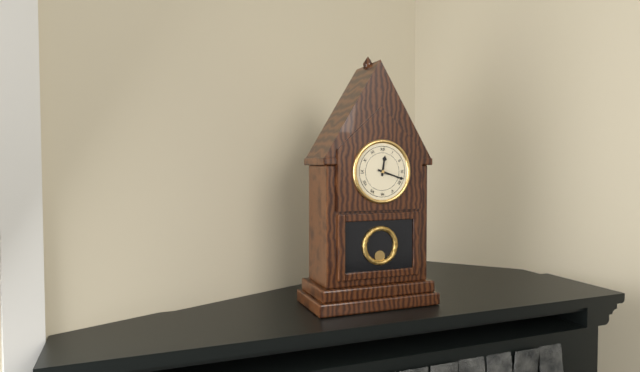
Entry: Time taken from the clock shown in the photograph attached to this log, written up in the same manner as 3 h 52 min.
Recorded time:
12 h 18 min
